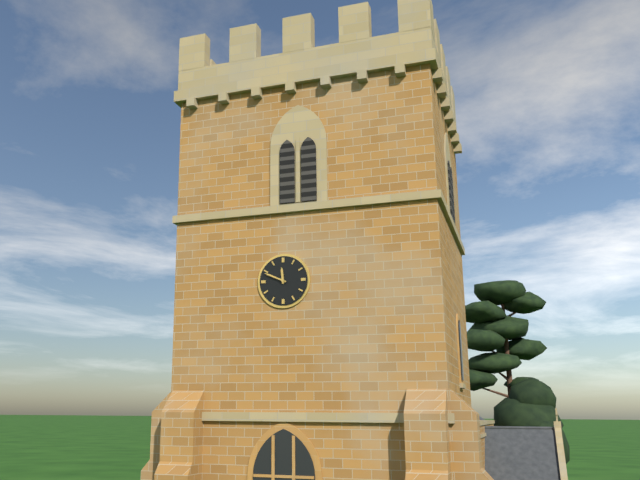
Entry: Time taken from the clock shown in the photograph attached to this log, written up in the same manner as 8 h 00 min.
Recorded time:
11 h 49 min
